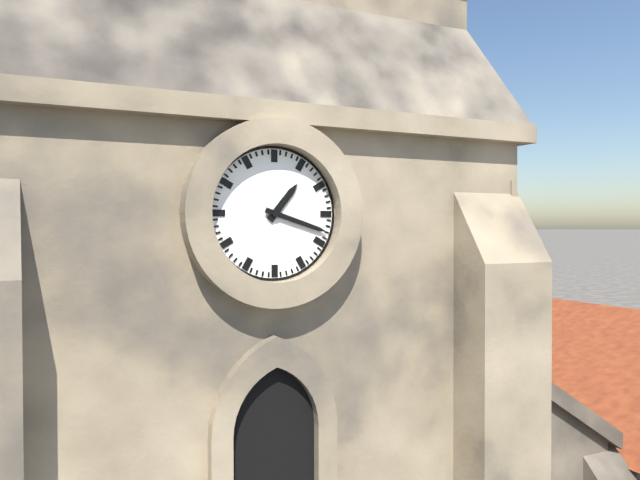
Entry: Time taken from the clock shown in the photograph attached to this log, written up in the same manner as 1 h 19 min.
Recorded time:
1 h 18 min
